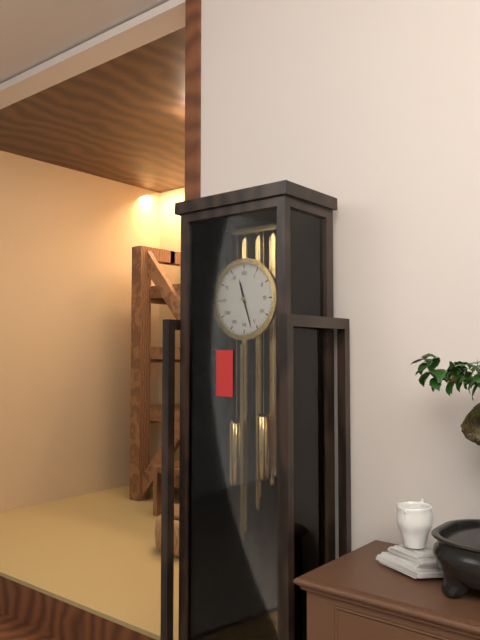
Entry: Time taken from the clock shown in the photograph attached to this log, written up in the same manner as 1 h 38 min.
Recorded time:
11 h 27 min
